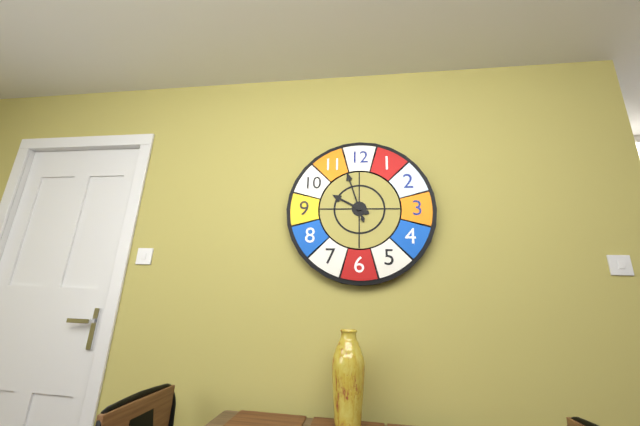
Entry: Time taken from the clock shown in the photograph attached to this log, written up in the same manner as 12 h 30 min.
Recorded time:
9 h 57 min
